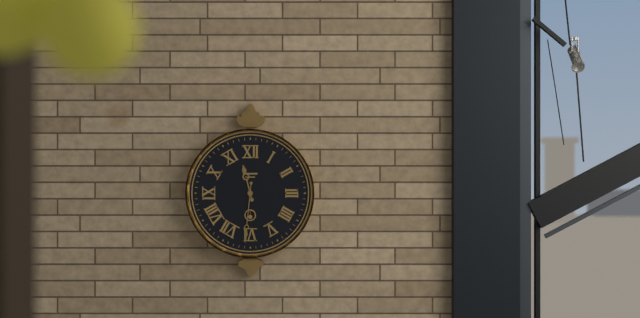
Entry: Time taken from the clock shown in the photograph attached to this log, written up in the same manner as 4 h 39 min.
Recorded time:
11 h 31 min
